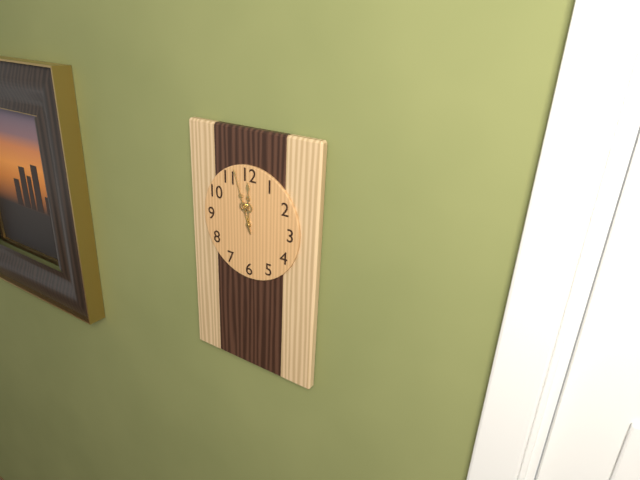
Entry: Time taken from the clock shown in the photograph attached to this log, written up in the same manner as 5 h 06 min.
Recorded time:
11 h 57 min
